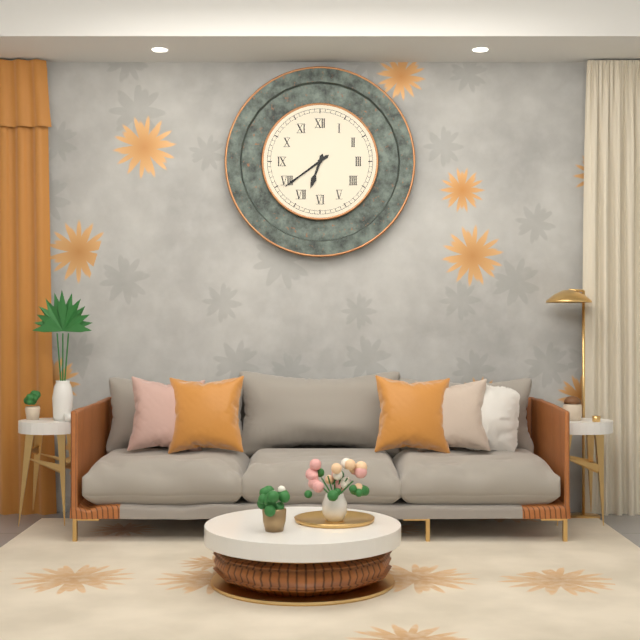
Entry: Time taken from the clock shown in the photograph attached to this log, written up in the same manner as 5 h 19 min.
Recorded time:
6 h 39 min
